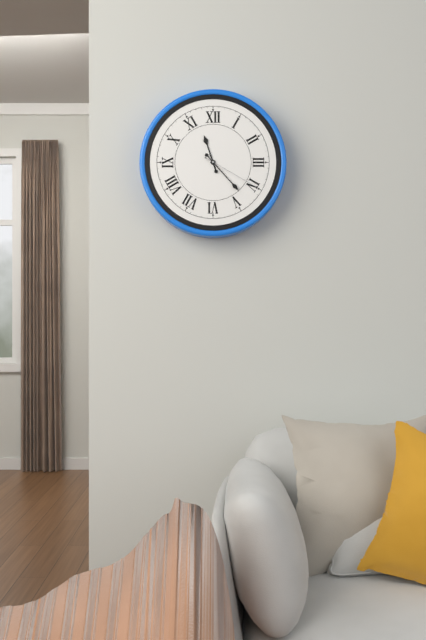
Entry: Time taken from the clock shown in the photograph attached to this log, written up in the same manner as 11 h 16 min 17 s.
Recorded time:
11 h 23 min 20 s
